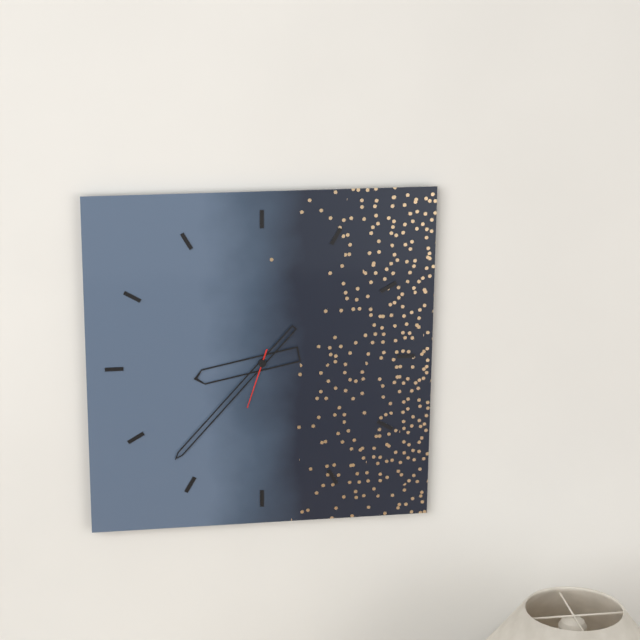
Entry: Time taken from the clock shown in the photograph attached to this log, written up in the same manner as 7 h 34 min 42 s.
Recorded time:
8 h 37 min 33 s
